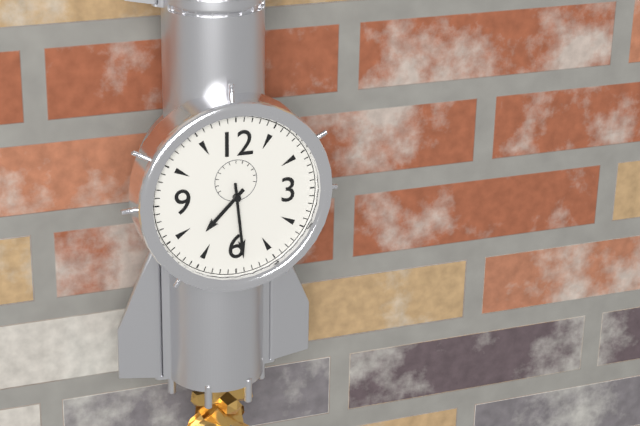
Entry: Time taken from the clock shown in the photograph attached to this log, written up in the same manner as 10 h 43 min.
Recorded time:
7 h 29 min
